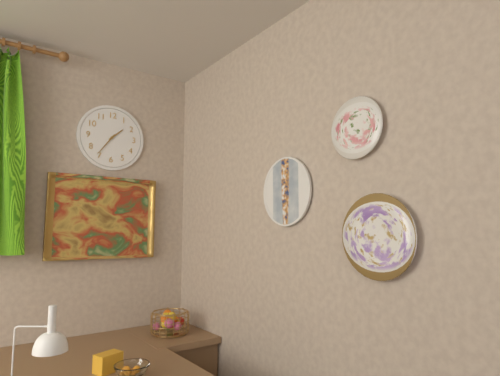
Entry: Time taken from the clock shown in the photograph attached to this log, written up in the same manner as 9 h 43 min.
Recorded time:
1 h 36 min
